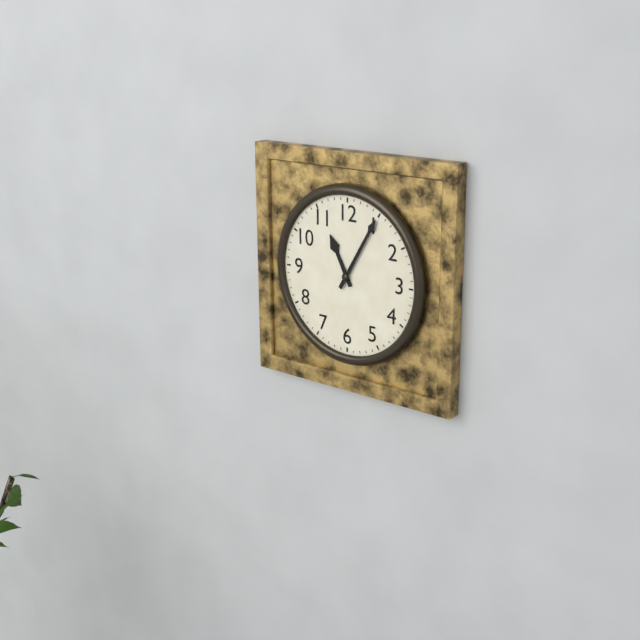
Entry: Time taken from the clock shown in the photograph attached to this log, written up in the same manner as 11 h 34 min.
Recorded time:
11 h 05 min
